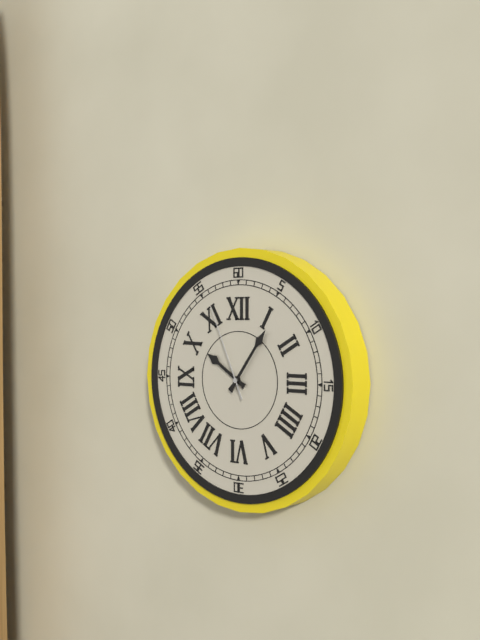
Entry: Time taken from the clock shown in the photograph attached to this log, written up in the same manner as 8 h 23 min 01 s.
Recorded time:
10 h 06 min 56 s
